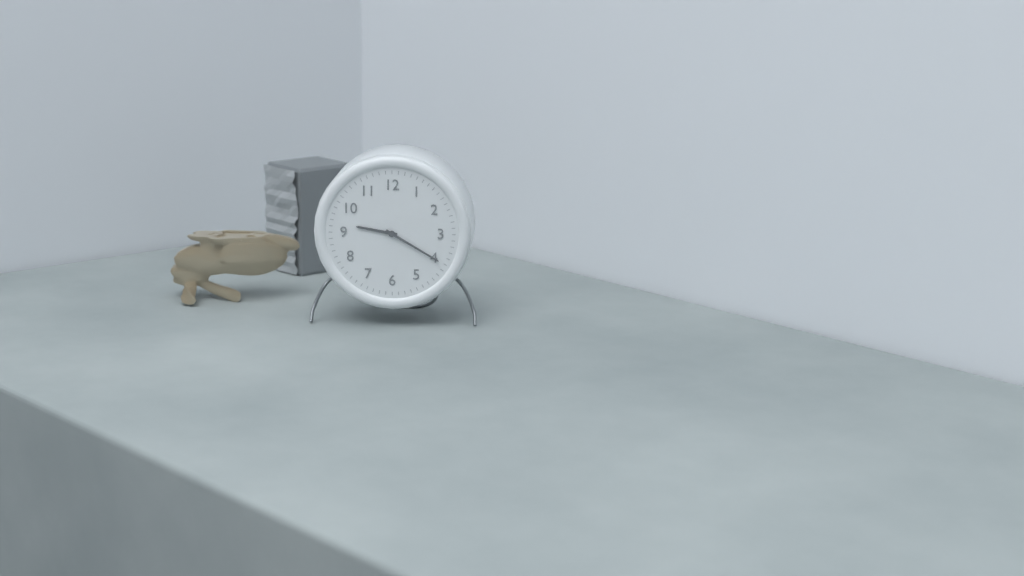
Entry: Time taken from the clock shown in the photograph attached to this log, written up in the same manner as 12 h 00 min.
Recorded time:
9 h 20 min
